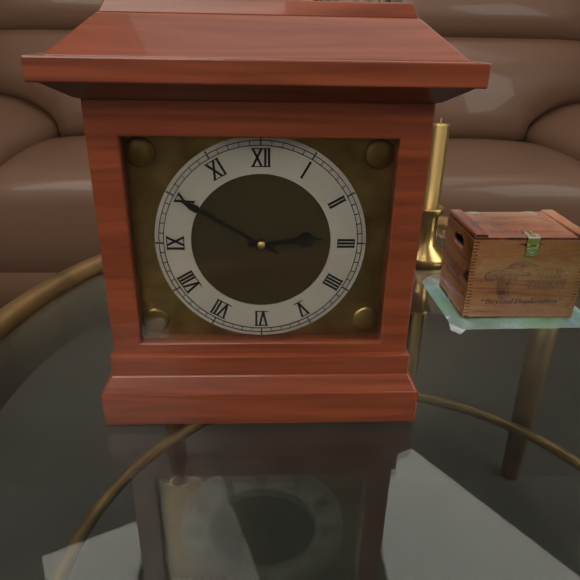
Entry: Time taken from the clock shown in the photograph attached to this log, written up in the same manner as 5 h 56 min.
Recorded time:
2 h 50 min
